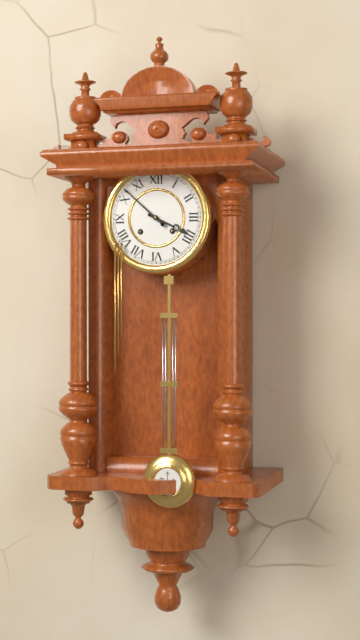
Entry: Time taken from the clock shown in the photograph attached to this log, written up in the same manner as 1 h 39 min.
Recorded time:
3 h 52 min
